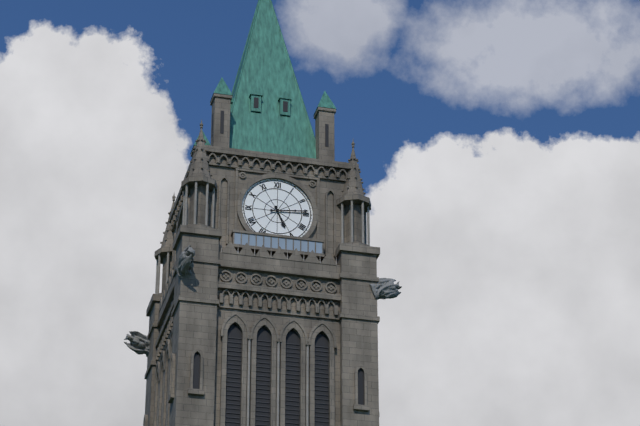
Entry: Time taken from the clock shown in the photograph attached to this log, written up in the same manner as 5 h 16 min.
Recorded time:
5 h 14 min
